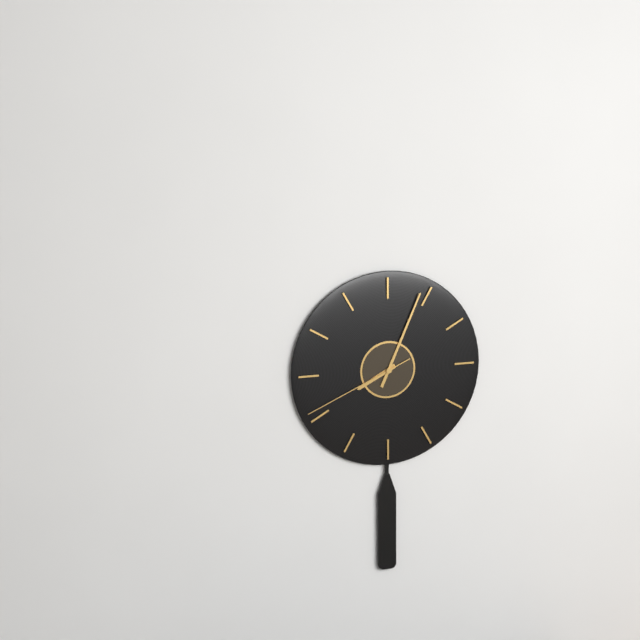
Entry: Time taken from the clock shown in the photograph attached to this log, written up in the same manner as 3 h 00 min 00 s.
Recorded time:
8 h 04 min 41 s
